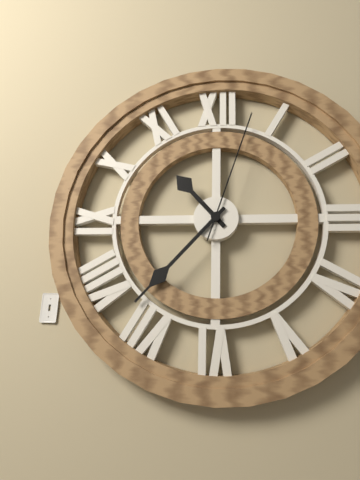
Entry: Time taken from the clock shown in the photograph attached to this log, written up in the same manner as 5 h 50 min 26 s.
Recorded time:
10 h 37 min 03 s
